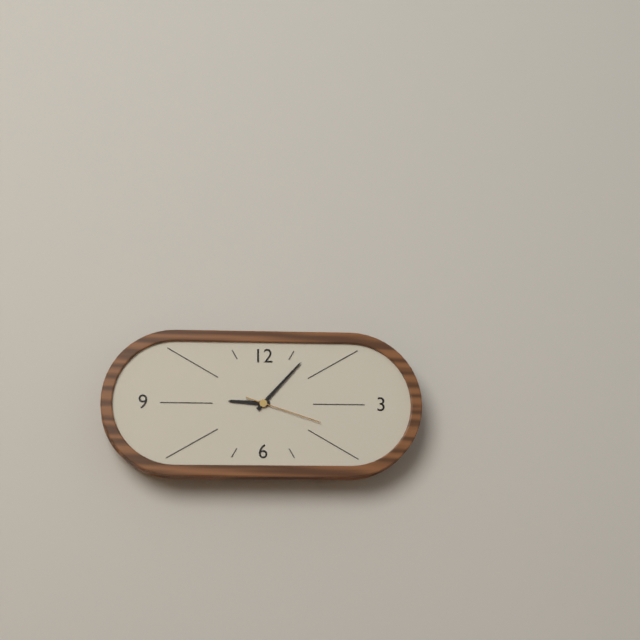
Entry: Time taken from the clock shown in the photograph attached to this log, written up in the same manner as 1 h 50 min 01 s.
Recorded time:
9 h 07 min 18 s
